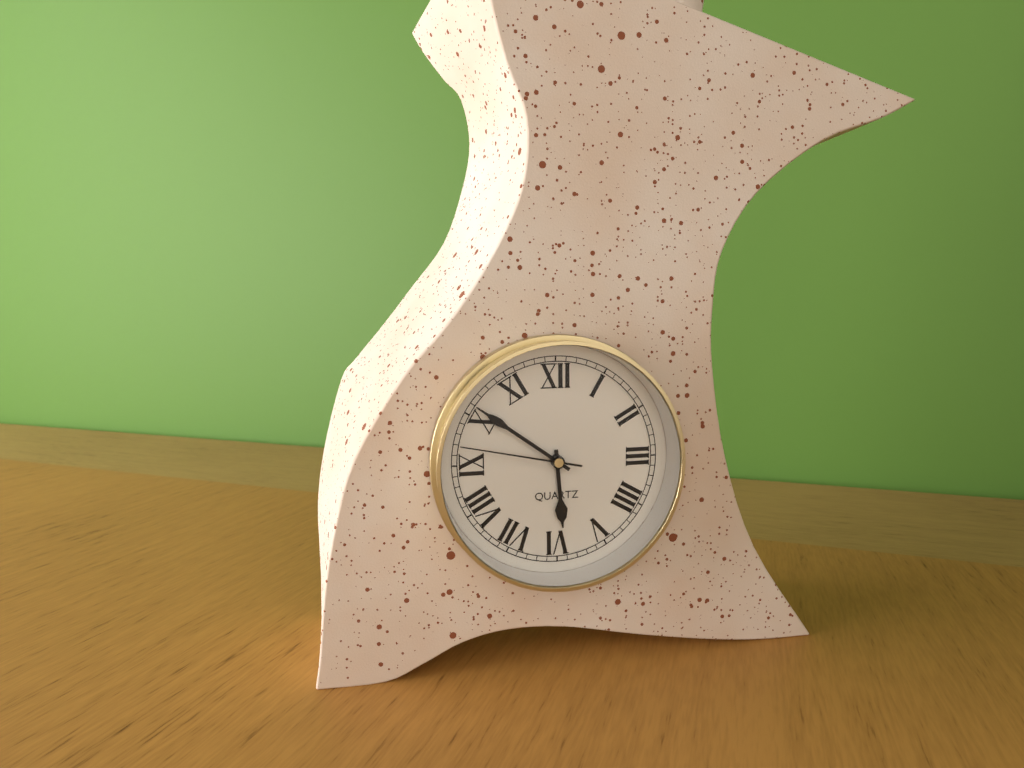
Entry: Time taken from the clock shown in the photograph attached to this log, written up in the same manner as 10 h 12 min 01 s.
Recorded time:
5 h 51 min 47 s
